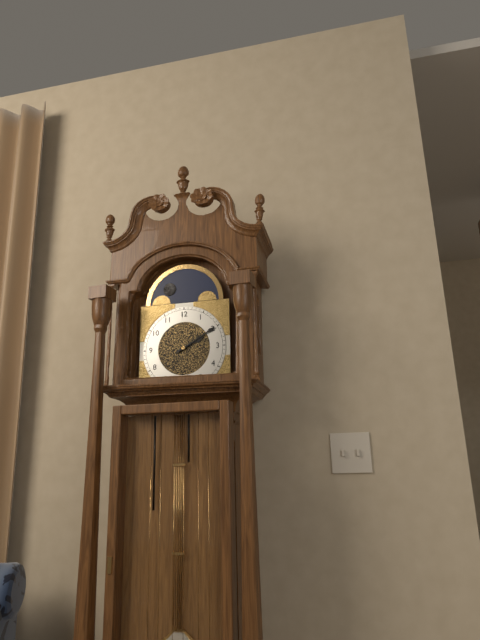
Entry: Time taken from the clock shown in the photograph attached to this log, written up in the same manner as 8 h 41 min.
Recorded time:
2 h 10 min
